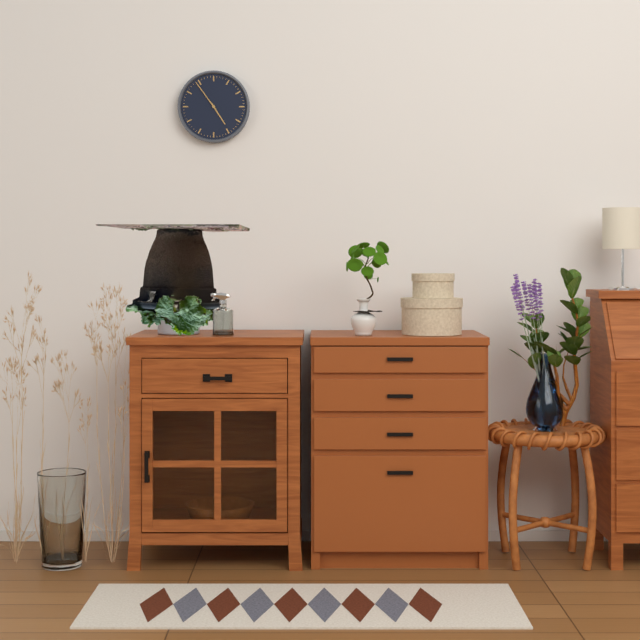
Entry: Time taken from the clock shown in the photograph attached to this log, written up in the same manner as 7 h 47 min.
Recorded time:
4 h 54 min
